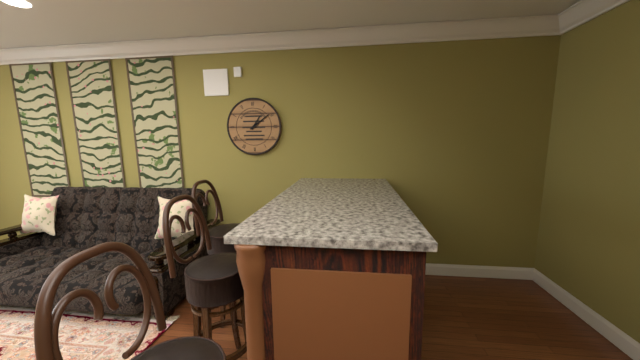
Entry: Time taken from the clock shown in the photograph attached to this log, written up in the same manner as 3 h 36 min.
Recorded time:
1 h 09 min
